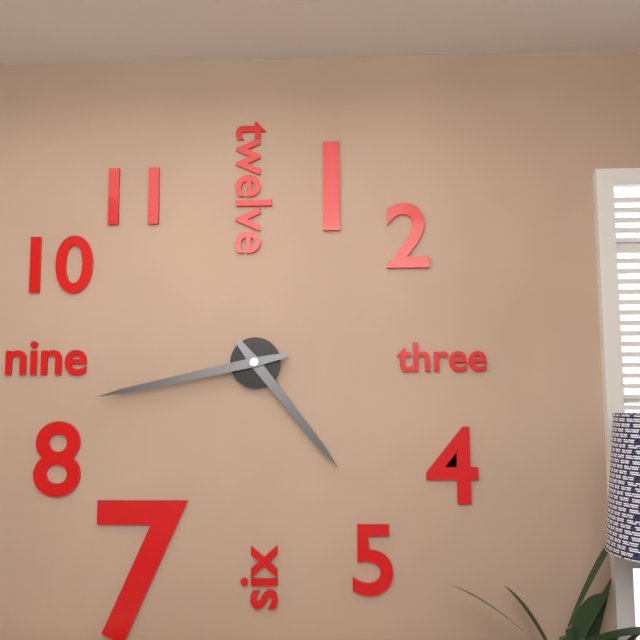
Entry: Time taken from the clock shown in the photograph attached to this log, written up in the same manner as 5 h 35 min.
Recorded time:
4 h 43 min
